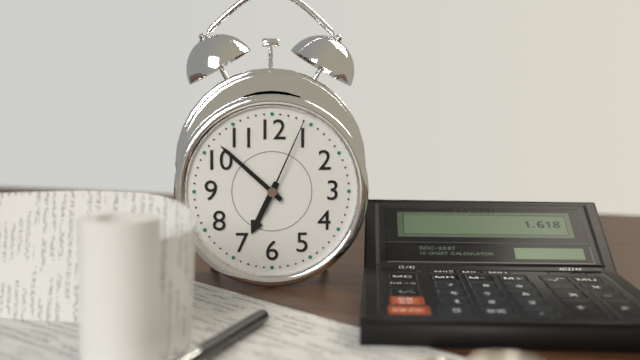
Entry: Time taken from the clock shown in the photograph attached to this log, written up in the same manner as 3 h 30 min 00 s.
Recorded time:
6 h 52 min 04 s
